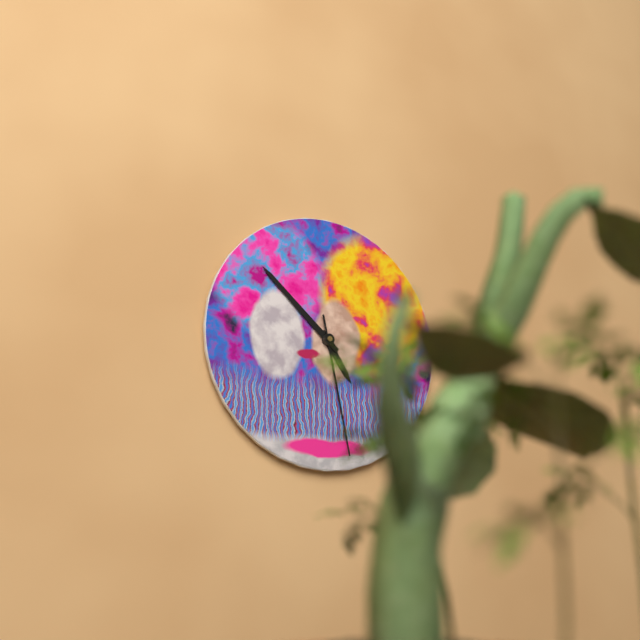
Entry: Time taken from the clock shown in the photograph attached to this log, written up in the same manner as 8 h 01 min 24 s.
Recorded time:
4 h 52 min 28 s
